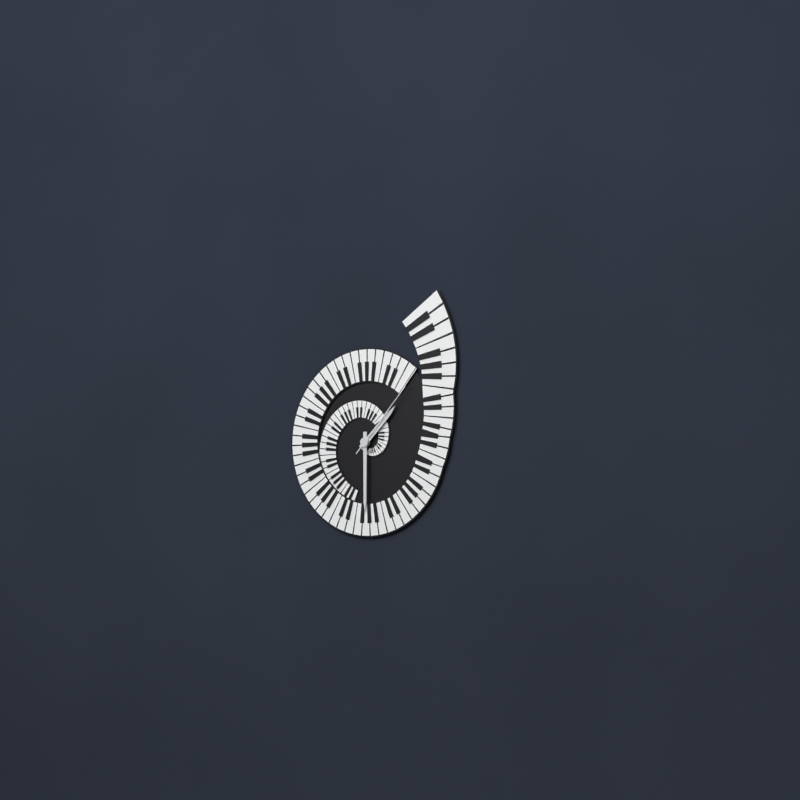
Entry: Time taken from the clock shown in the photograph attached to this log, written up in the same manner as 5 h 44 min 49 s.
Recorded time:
1 h 30 min 07 s
